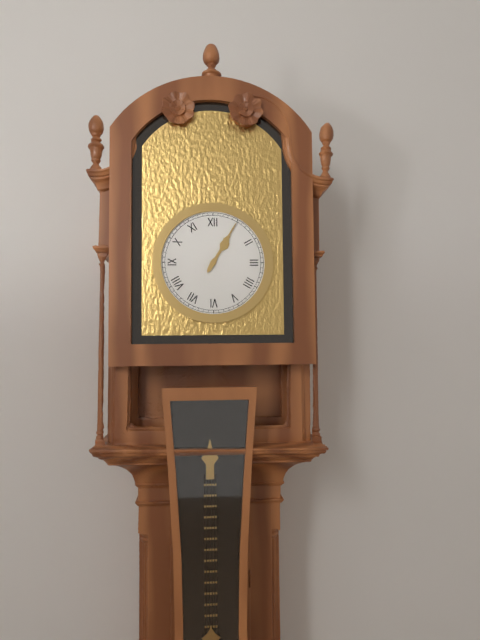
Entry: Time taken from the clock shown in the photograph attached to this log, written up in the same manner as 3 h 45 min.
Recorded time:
1 h 05 min
